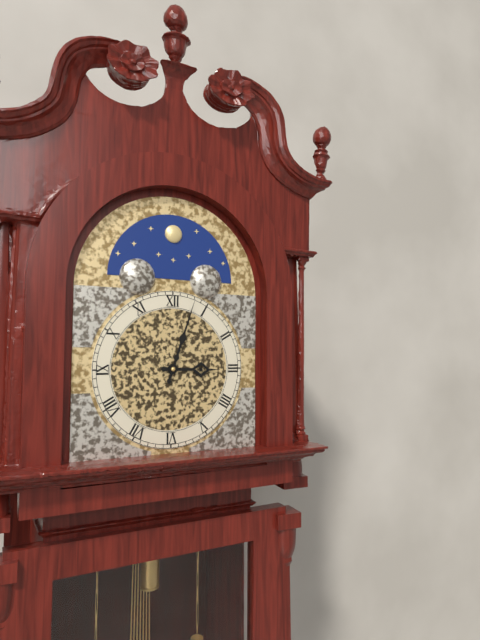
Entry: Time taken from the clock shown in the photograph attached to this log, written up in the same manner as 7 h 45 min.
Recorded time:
3 h 03 min
